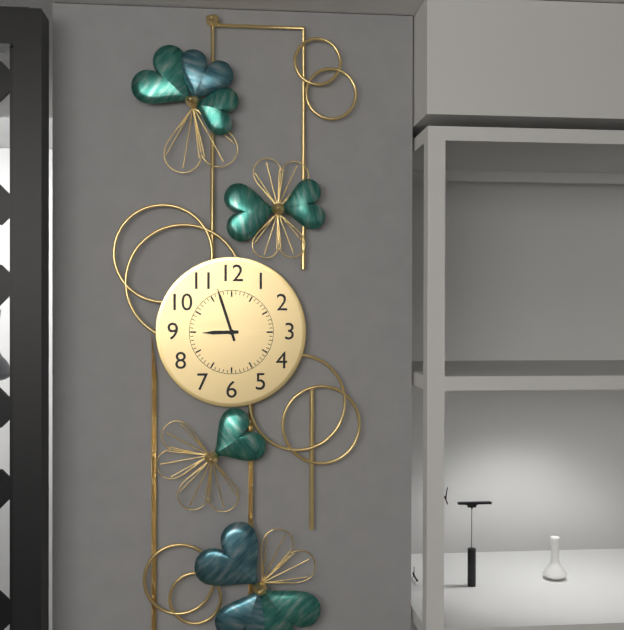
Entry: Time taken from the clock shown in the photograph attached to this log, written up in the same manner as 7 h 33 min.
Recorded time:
8 h 57 min
